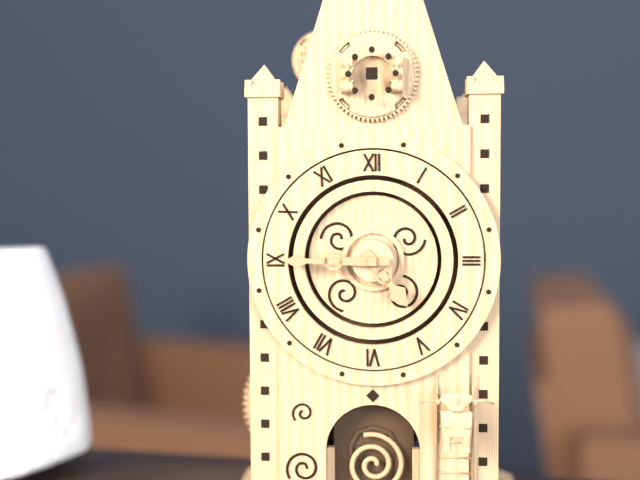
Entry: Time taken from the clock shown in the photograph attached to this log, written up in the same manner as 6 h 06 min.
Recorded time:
4 h 45 min
